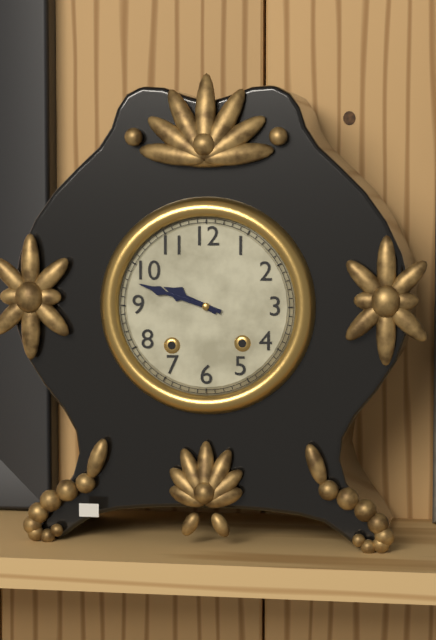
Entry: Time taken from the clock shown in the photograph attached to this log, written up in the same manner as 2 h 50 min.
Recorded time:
9 h 48 min
